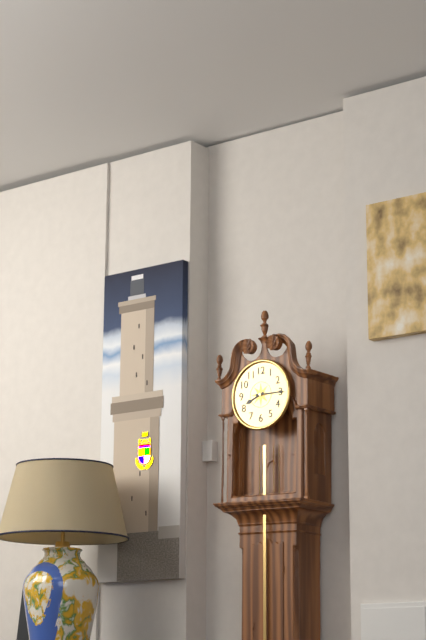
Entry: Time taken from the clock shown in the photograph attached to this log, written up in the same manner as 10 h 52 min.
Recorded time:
8 h 15 min
